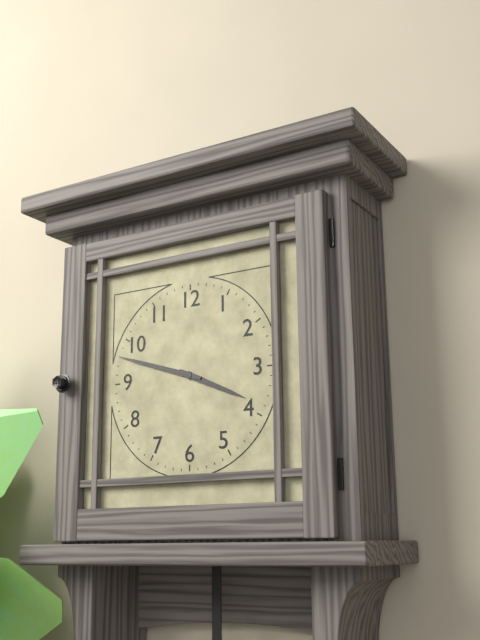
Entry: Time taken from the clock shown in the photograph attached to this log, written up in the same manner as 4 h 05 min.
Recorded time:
3 h 48 min
